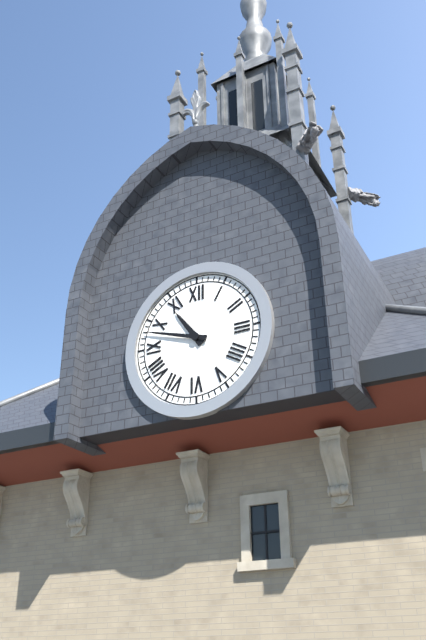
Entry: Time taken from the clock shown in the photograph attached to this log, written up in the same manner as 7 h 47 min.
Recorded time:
10 h 48 min
